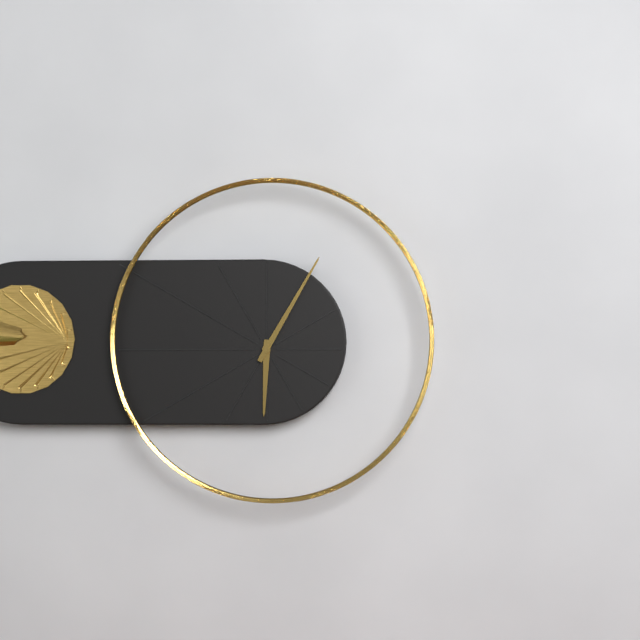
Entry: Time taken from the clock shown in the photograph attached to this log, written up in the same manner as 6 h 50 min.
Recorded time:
6 h 05 min
